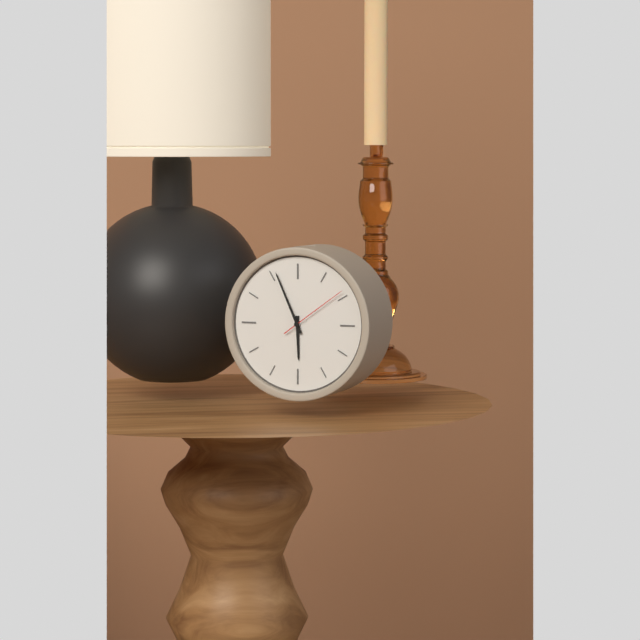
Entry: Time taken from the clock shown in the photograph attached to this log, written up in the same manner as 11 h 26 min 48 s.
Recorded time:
5 h 56 min 09 s
